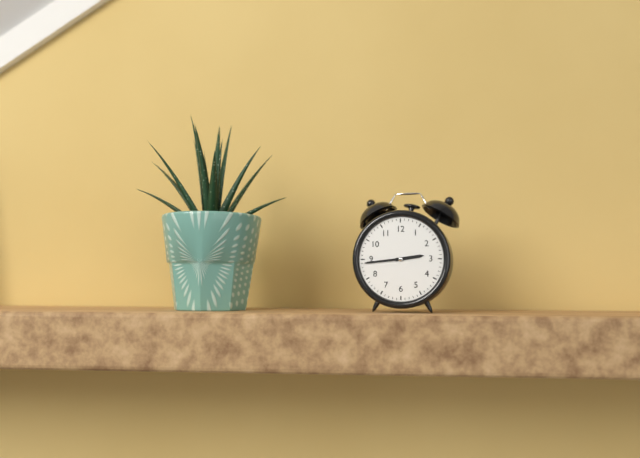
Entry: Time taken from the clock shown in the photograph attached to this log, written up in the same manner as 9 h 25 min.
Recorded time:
2 h 44 min
